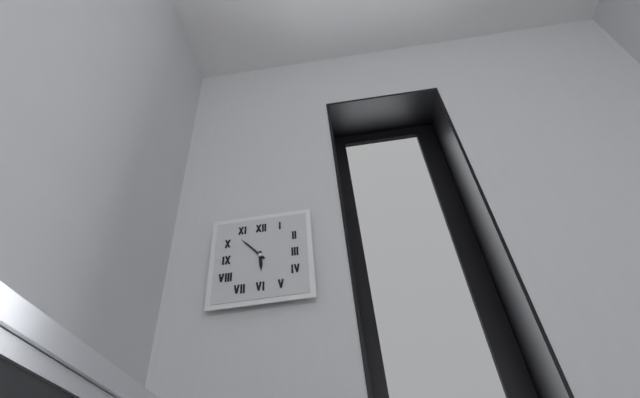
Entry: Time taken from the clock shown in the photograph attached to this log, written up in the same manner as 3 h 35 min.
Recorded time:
5 h 53 min
